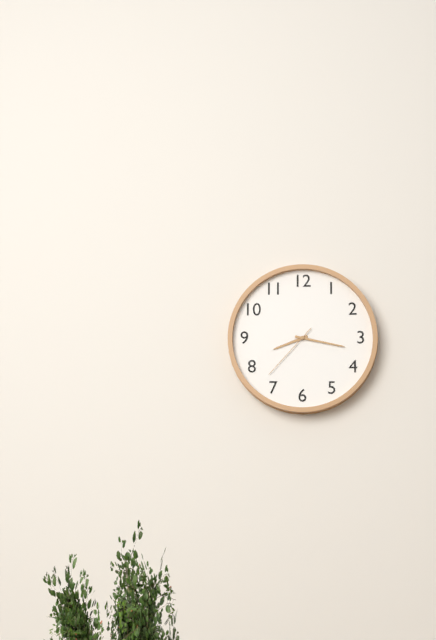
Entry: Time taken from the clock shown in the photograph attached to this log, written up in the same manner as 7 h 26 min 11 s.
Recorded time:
8 h 17 min 37 s
